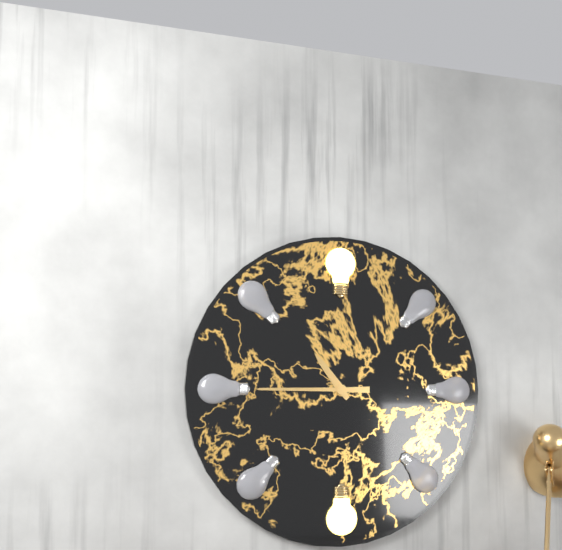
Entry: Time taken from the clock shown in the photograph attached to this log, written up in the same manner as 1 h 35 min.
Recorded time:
10 h 45 min
